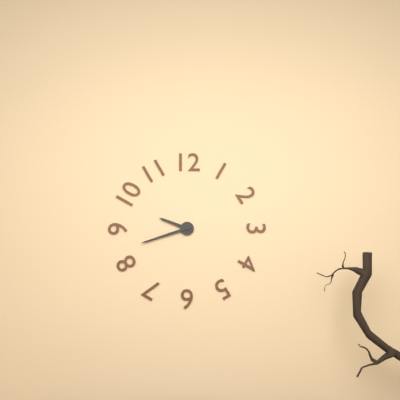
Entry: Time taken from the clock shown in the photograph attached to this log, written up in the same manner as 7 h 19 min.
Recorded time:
9 h 42 min
